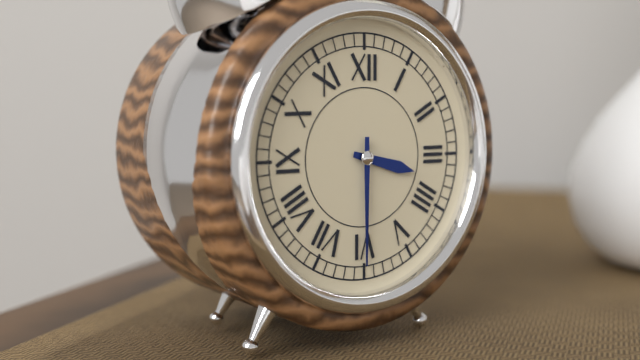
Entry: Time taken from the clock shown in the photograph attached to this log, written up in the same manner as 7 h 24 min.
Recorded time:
3 h 30 min
